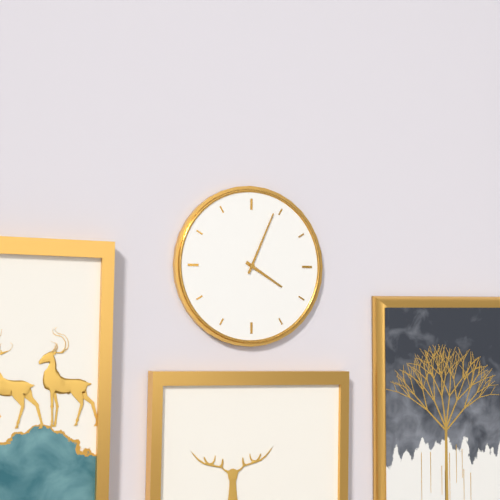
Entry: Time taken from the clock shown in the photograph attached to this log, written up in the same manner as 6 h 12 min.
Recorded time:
4 h 04 min
